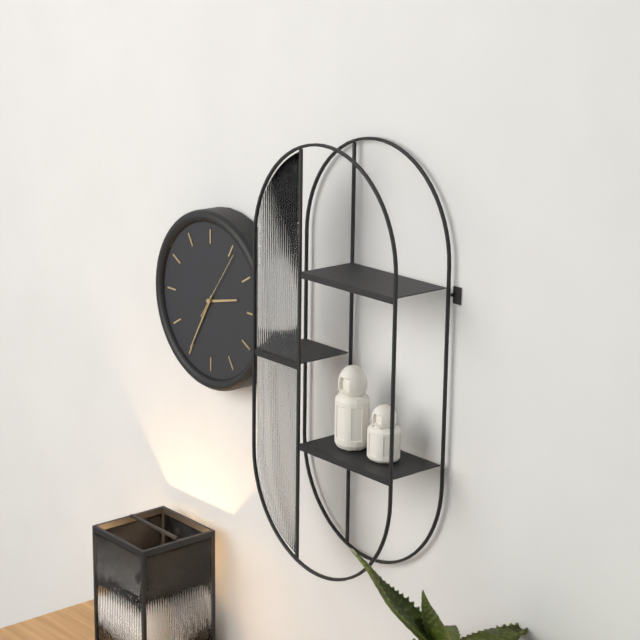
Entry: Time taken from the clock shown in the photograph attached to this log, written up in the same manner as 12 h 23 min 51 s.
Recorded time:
2 h 35 min 06 s
